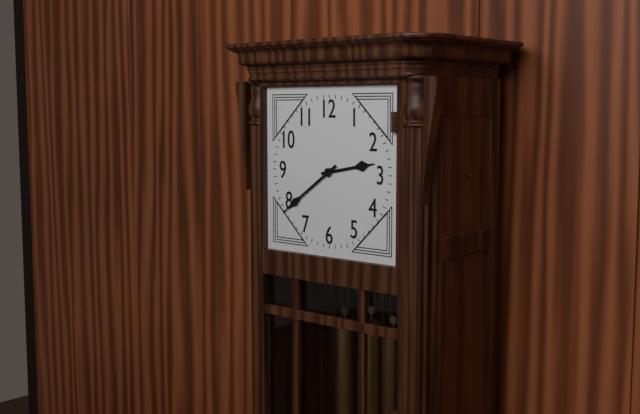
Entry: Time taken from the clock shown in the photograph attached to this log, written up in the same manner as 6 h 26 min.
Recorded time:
2 h 39 min
